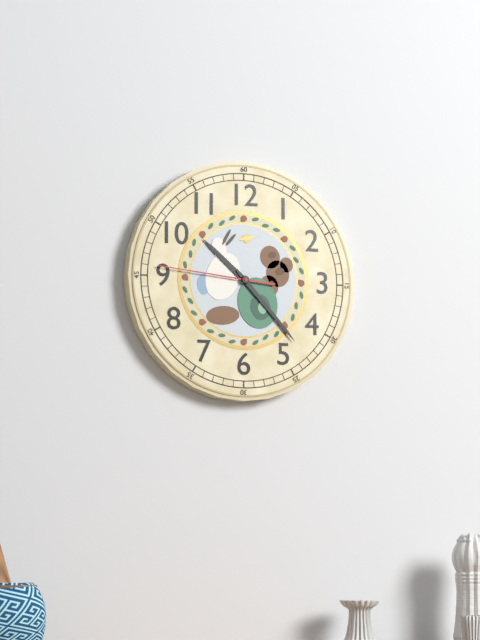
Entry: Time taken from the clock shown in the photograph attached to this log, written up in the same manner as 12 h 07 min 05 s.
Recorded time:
10 h 23 min 46 s
